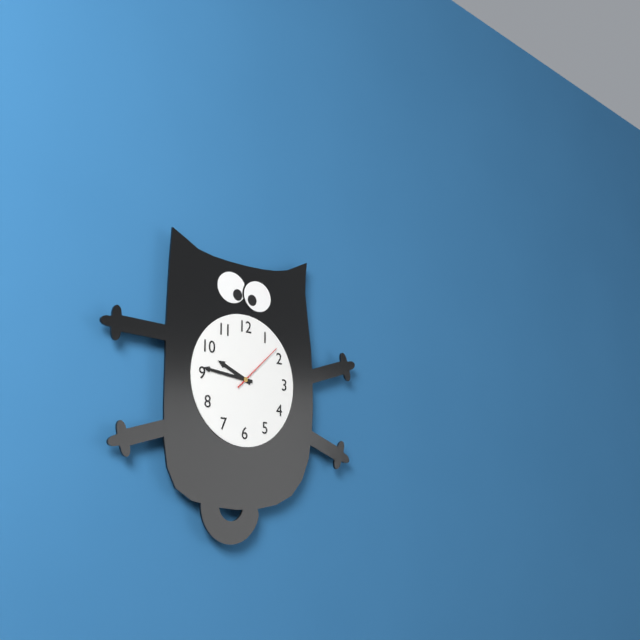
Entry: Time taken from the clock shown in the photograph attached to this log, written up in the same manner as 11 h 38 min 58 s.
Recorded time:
9 h 46 min 08 s
